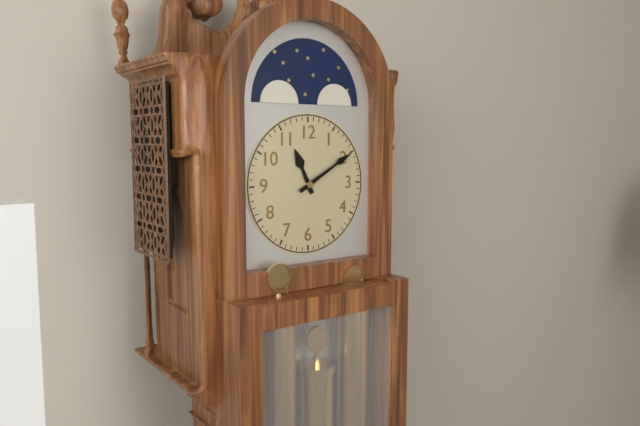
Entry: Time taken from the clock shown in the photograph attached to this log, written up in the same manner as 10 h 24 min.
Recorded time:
11 h 10 min
